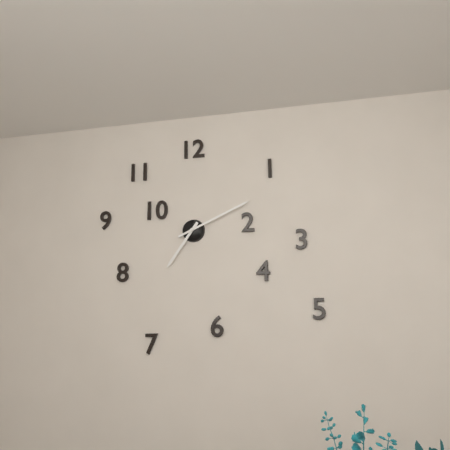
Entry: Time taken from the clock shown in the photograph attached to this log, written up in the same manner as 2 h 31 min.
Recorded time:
7 h 11 min
